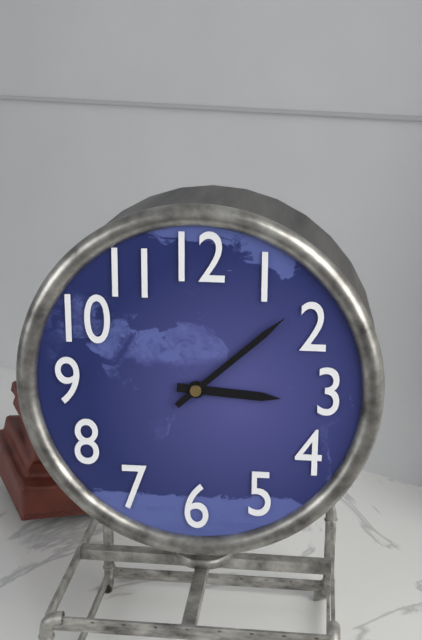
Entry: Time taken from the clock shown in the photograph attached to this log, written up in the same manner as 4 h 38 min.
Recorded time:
3 h 08 min
